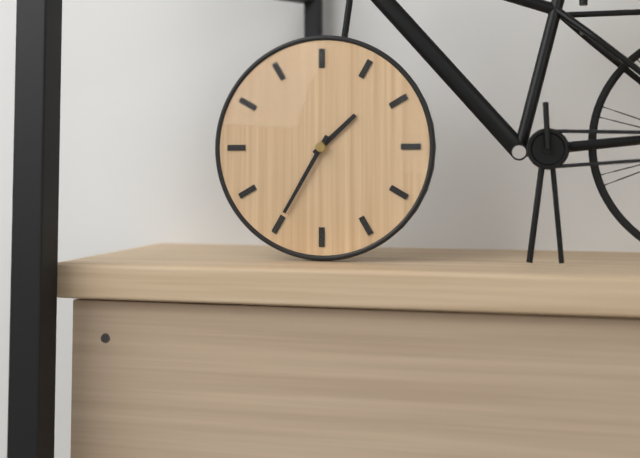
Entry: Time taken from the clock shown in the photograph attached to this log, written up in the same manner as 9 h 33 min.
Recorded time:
1 h 35 min
